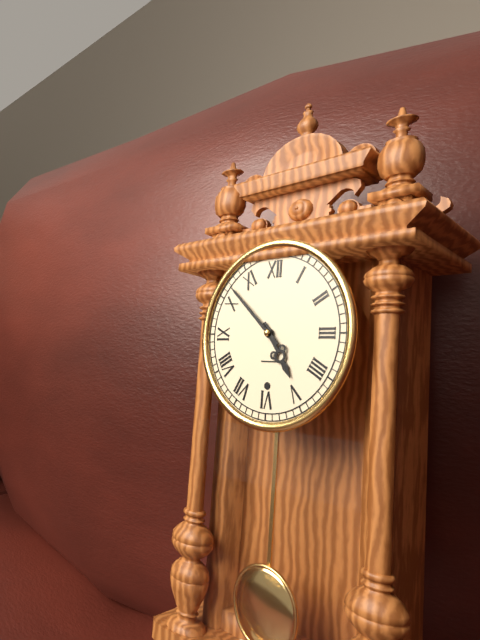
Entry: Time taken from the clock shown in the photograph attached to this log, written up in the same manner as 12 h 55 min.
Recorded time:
4 h 52 min
